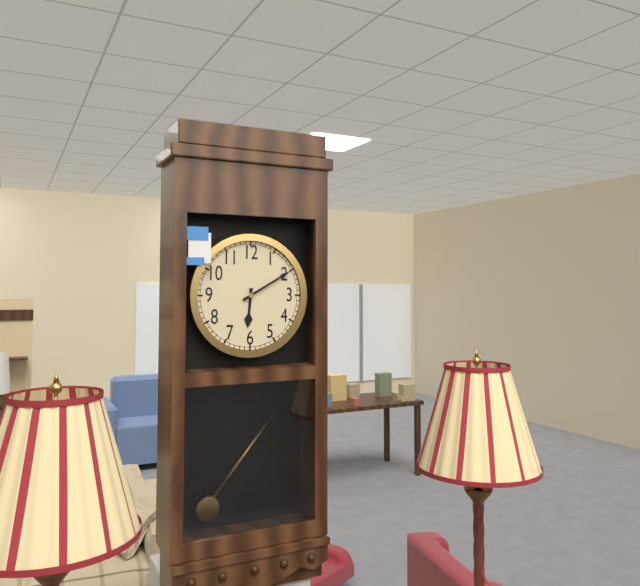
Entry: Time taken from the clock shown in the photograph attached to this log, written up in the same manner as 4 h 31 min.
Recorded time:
6 h 10 min
